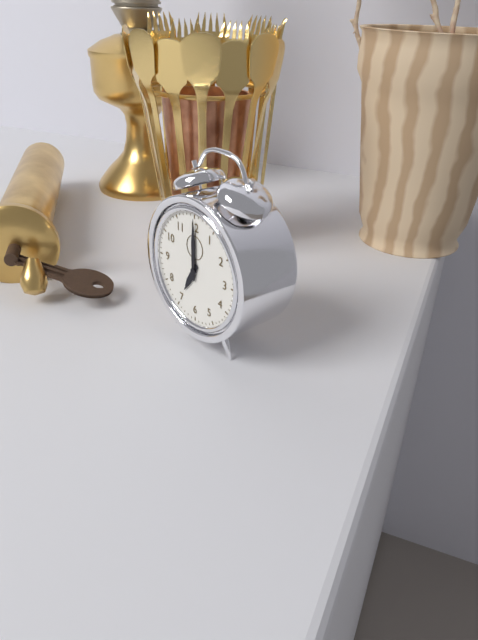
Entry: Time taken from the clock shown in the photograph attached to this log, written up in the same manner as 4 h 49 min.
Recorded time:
7 h 00 min
